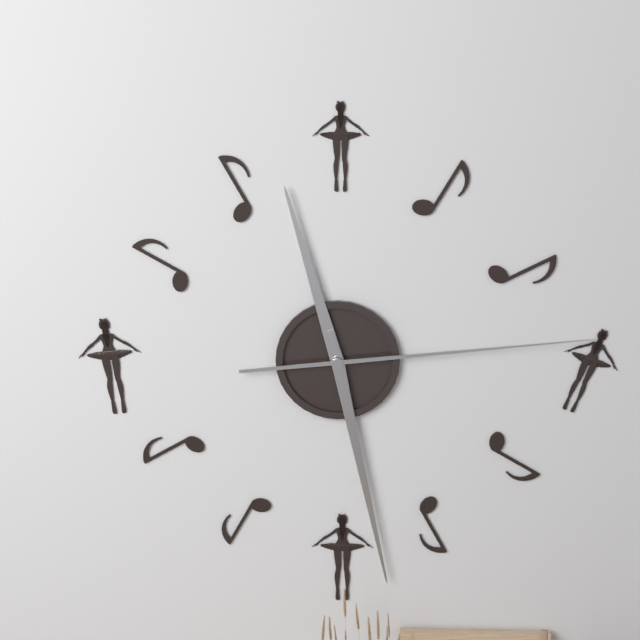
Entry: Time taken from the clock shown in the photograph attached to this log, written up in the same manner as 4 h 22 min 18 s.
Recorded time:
11 h 28 min 14 s
